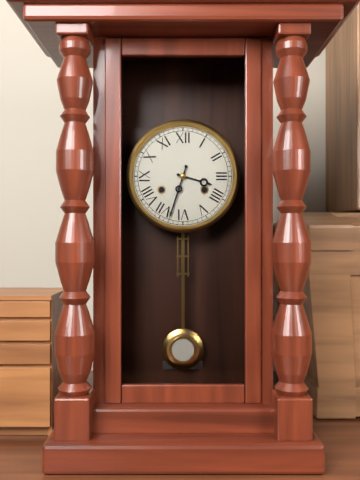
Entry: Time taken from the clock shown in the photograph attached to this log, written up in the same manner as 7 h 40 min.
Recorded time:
3 h 33 min
